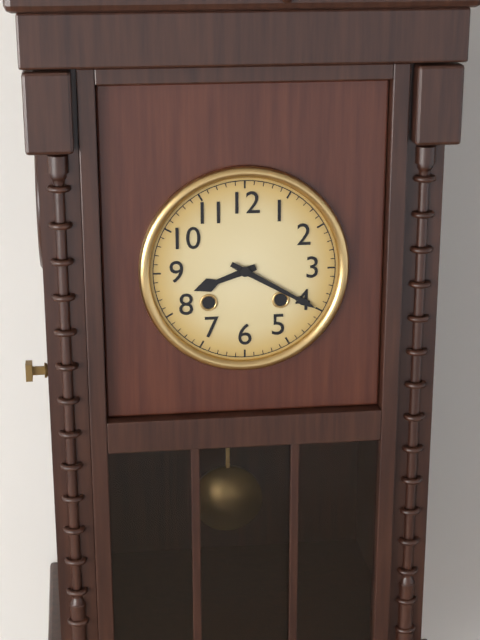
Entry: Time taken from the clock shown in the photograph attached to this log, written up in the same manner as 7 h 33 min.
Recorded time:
8 h 20 min
